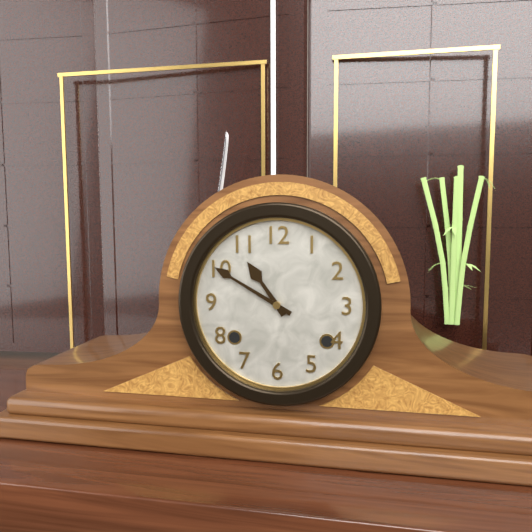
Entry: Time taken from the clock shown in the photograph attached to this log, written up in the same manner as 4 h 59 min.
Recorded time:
10 h 50 min
